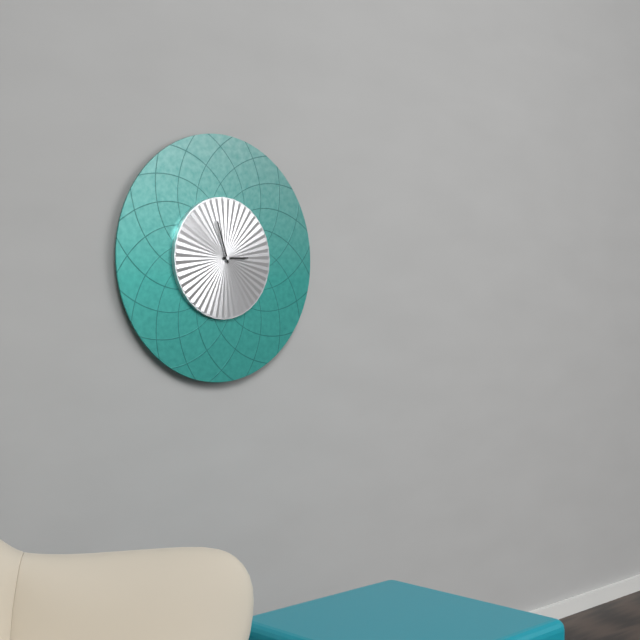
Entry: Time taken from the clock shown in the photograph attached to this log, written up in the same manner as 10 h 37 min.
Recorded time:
2 h 57 min
